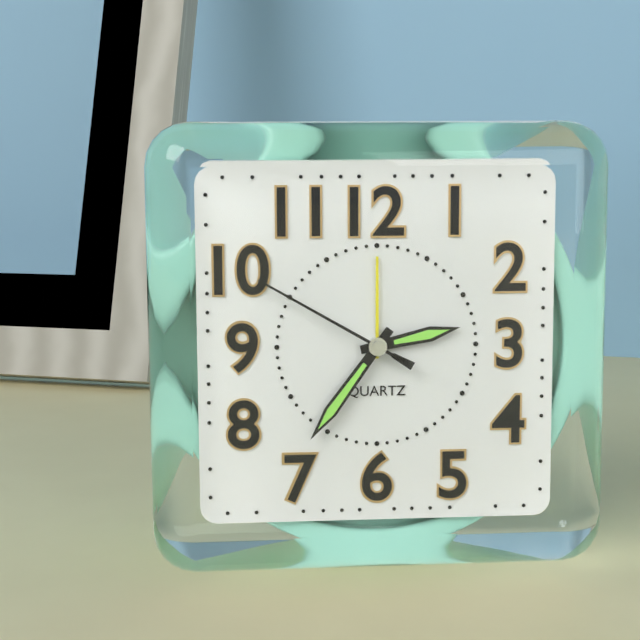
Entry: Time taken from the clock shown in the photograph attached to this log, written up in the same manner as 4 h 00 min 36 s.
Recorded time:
2 h 36 min 50 s
